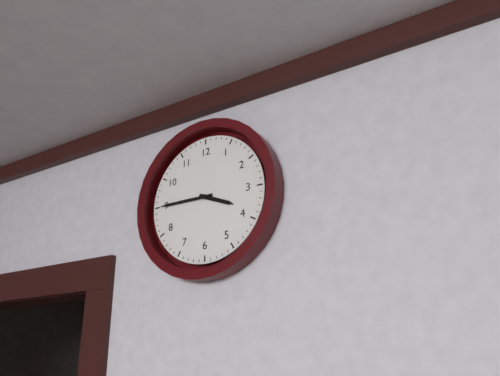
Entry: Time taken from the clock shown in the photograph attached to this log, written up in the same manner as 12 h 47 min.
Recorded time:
3 h 45 min
